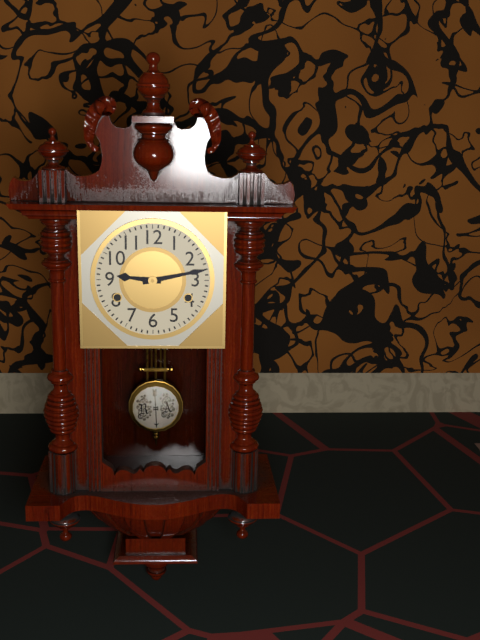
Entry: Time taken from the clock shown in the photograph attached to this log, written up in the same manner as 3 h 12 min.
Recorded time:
9 h 13 min
